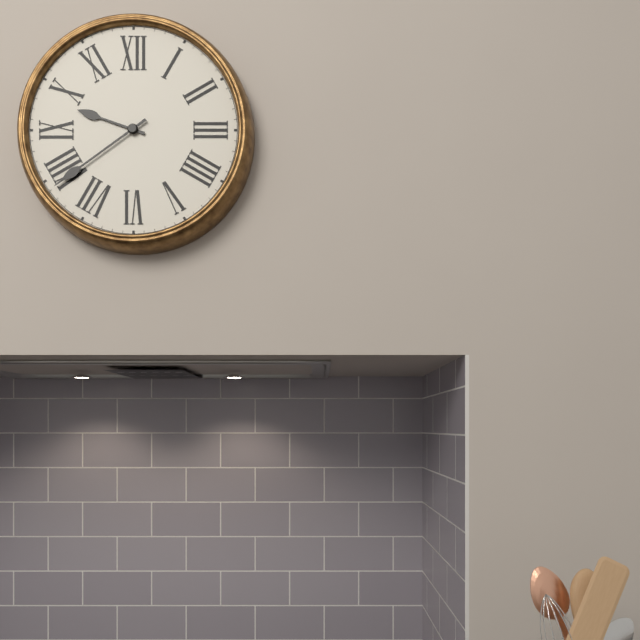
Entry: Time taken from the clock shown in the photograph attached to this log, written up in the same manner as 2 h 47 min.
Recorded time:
9 h 39 min
